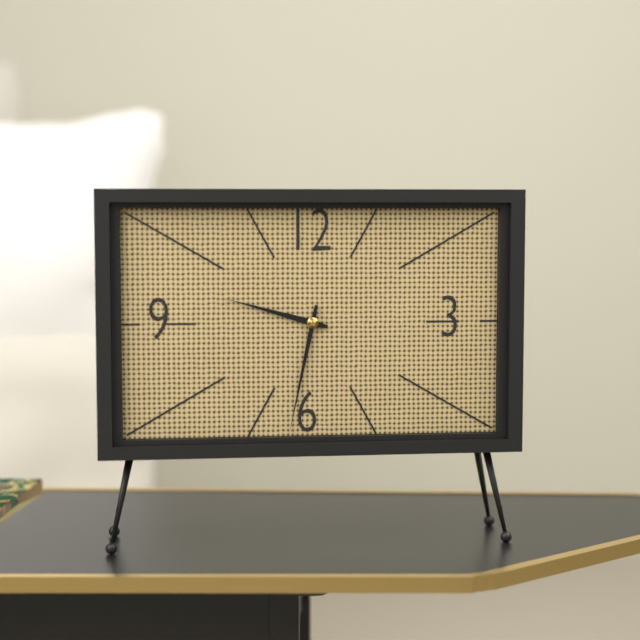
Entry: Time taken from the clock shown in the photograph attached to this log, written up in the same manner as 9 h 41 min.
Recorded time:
9 h 32 min
